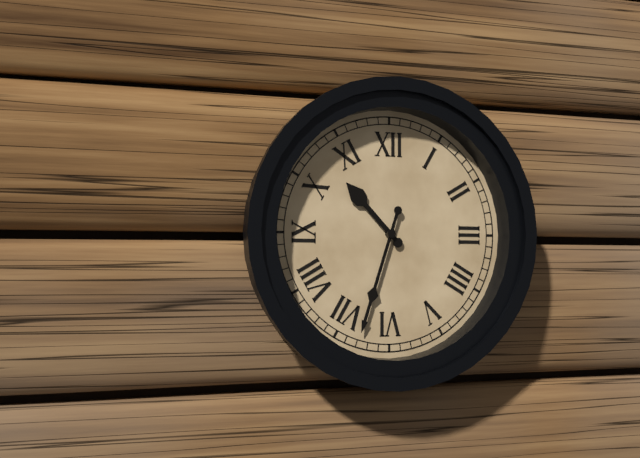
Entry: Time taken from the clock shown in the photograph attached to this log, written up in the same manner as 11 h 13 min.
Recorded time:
10 h 33 min
